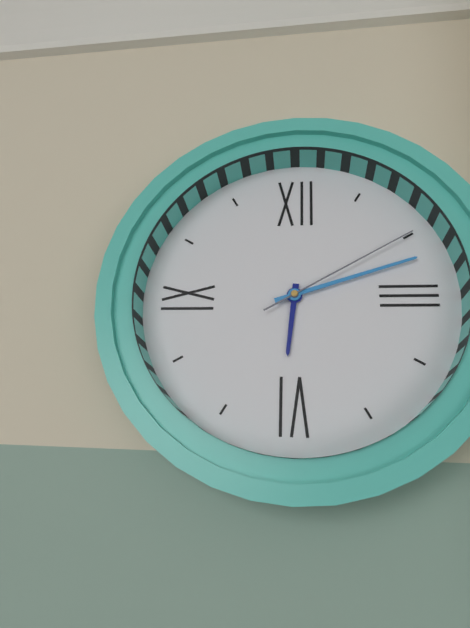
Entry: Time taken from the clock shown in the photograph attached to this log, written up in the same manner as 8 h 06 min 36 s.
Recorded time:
6 h 12 min 10 s
